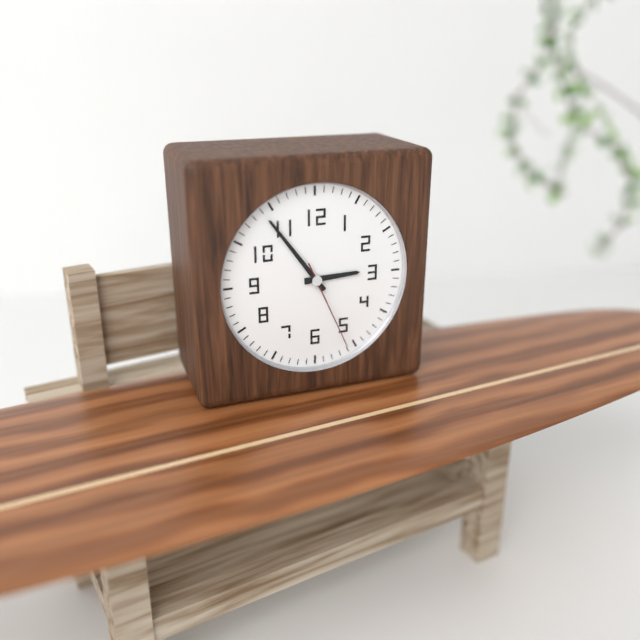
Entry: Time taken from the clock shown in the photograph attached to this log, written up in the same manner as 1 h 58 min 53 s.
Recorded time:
2 h 54 min 26 s
